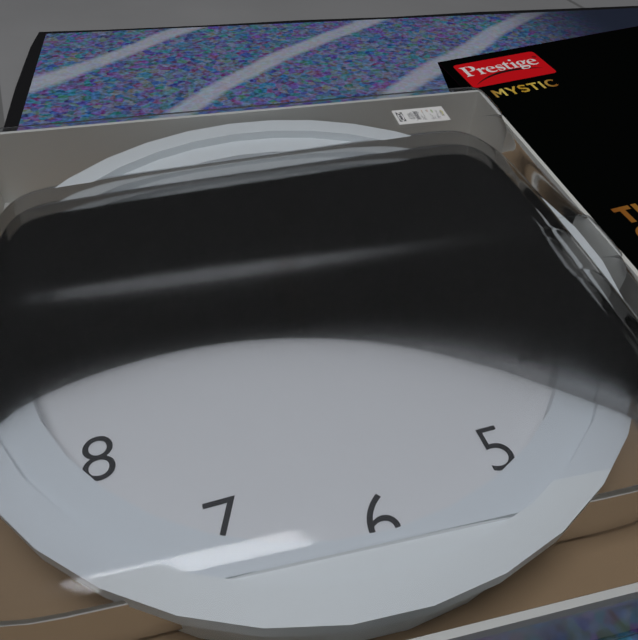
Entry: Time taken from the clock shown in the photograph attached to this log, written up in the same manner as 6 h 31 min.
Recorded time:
12 h 18 min
